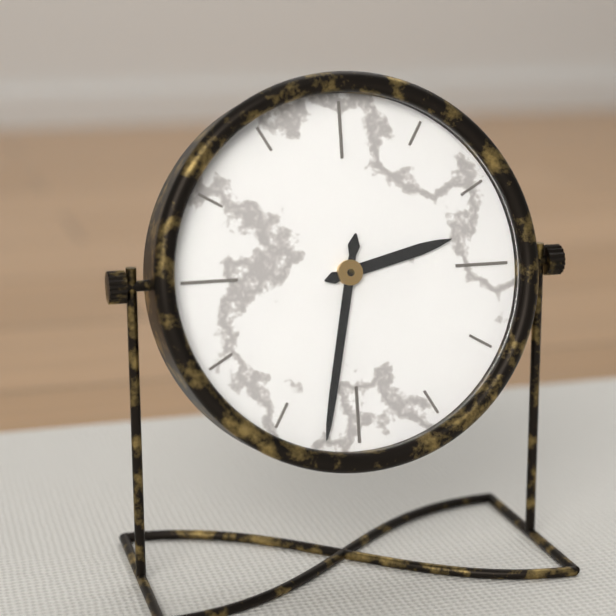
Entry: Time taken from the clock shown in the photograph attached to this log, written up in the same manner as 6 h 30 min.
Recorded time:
2 h 32 min
